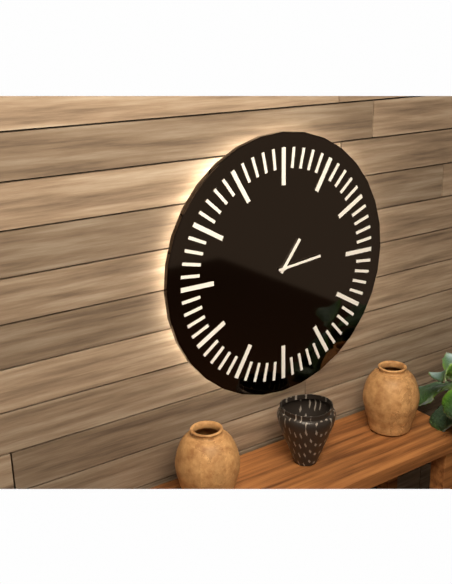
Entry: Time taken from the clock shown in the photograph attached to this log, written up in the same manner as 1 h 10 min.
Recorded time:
1 h 14 min
